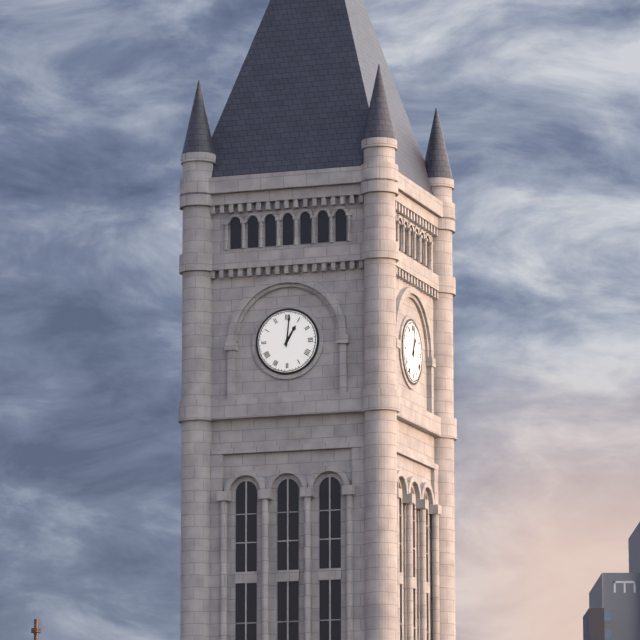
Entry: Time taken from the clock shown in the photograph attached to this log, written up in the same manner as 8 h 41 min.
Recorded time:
1 h 01 min
